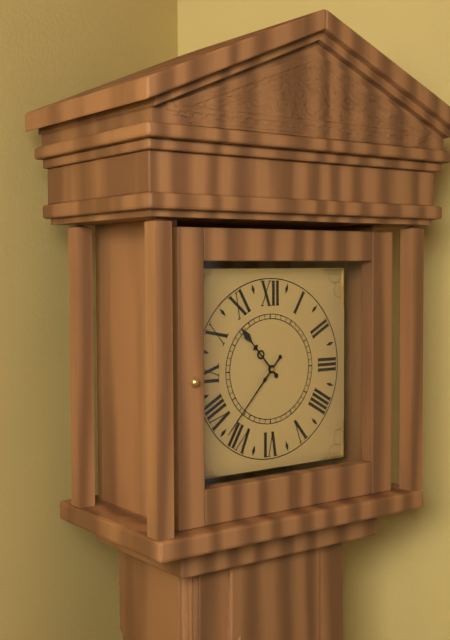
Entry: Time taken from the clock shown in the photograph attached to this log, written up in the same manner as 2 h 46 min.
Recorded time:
10 h 37 min
